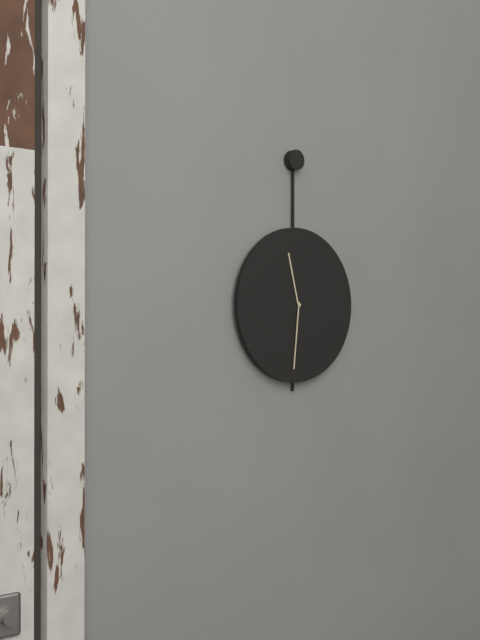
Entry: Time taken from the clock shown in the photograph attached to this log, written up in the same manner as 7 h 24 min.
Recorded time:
11 h 31 min
